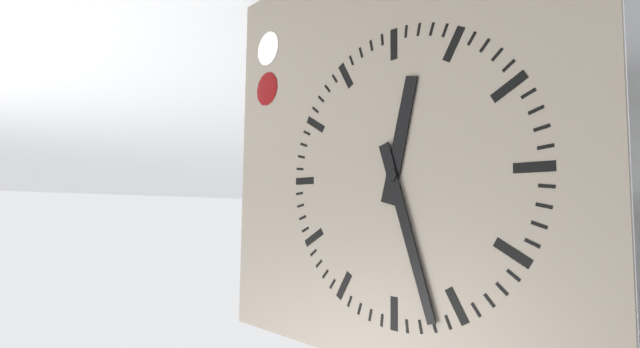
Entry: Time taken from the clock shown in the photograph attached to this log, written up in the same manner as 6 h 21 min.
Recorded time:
12 h 27 min
